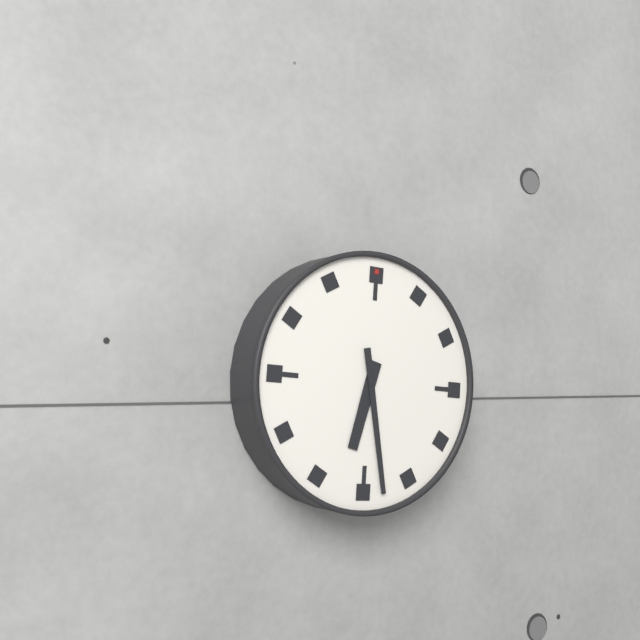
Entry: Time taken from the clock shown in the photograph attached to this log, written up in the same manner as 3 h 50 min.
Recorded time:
6 h 28 min
